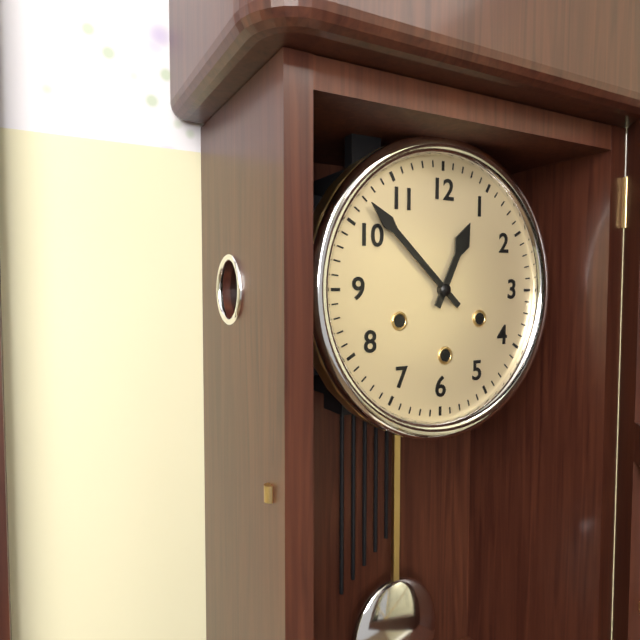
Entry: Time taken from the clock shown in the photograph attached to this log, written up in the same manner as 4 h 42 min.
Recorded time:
12 h 52 min
